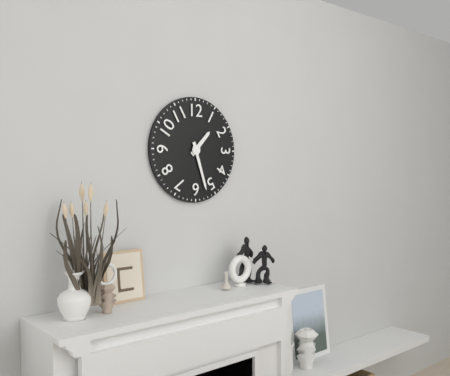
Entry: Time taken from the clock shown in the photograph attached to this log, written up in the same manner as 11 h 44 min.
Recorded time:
1 h 27 min
